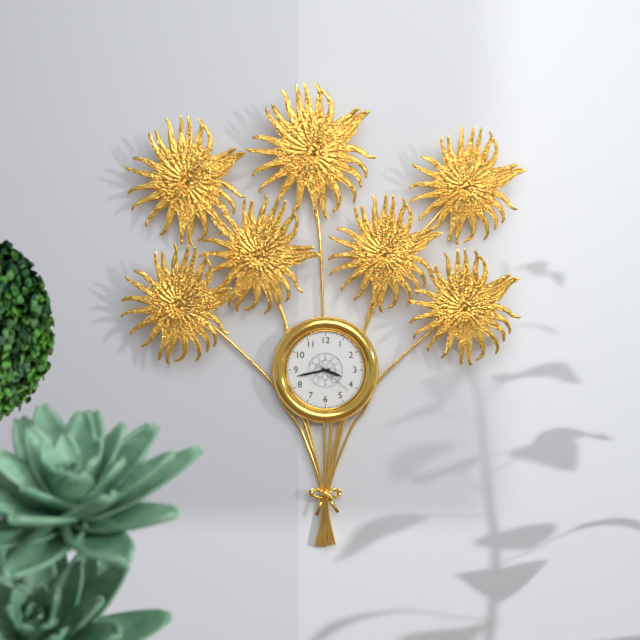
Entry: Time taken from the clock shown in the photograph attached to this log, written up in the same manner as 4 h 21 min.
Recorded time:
3 h 43 min
